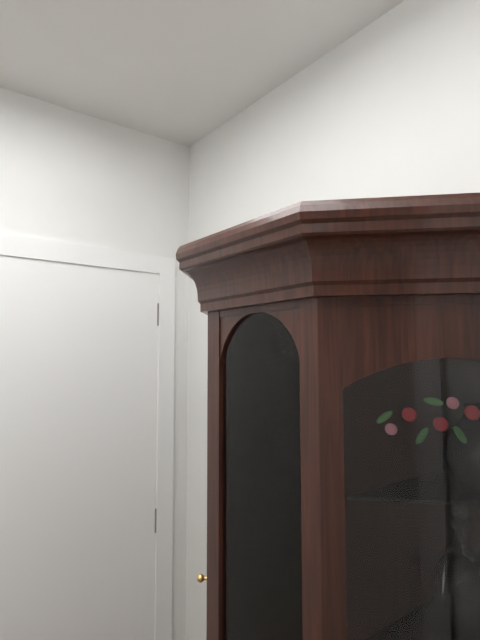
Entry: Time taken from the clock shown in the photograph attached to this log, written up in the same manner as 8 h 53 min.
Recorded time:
7 h 09 min
